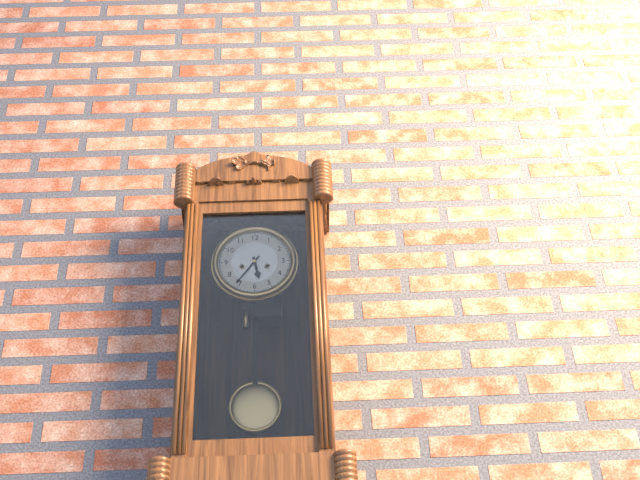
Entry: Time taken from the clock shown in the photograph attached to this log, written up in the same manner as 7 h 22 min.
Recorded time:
5 h 36 min
